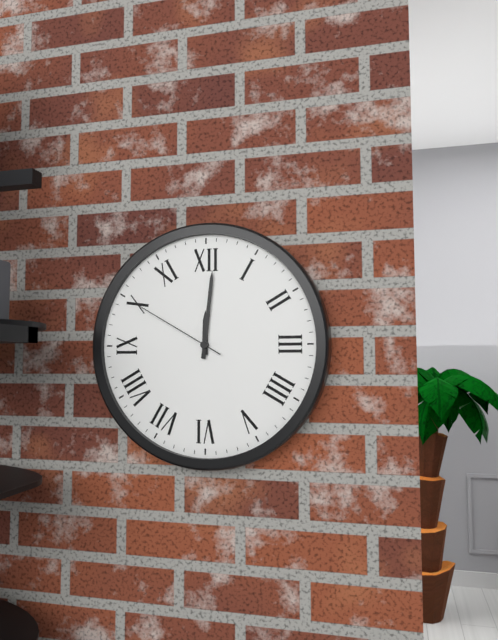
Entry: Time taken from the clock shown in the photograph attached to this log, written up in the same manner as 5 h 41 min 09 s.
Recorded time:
12 h 01 min 50 s
